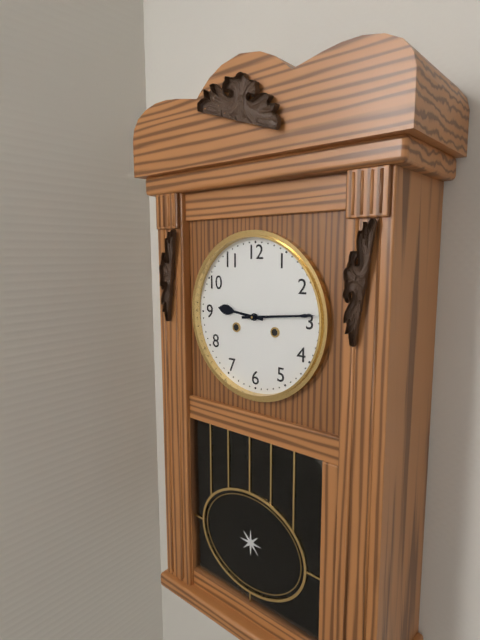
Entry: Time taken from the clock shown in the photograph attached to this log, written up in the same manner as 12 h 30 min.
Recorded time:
9 h 14 min
